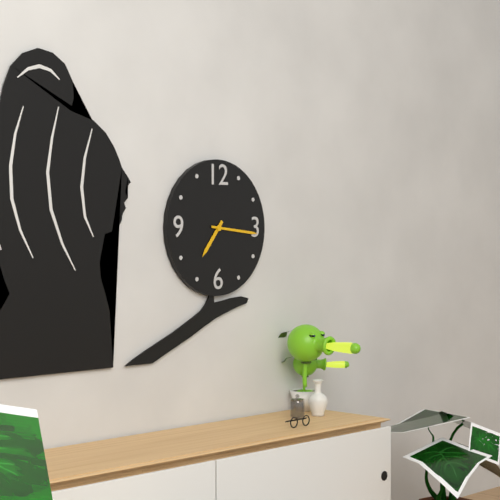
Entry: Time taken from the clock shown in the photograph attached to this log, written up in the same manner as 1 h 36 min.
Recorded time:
7 h 16 min
